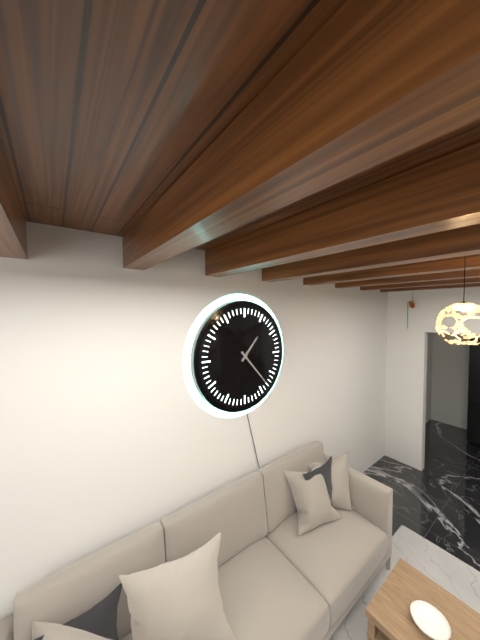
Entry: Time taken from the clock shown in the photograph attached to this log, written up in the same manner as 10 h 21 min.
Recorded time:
1 h 23 min
